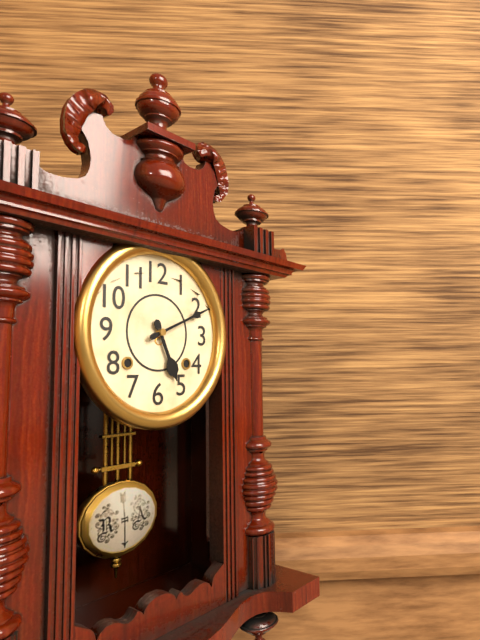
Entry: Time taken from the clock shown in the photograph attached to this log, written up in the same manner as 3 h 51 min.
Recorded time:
5 h 11 min
